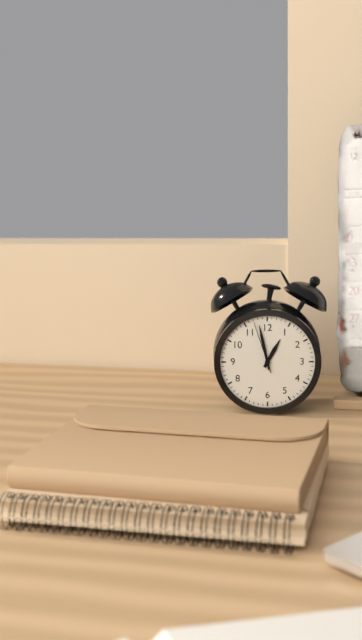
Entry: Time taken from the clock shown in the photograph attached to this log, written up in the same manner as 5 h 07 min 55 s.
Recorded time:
12 h 58 min 57 s
